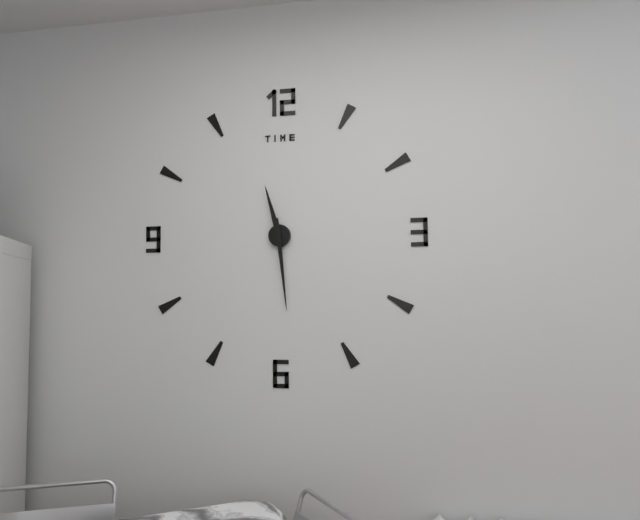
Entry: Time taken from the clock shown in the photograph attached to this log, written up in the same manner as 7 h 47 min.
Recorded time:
11 h 29 min
